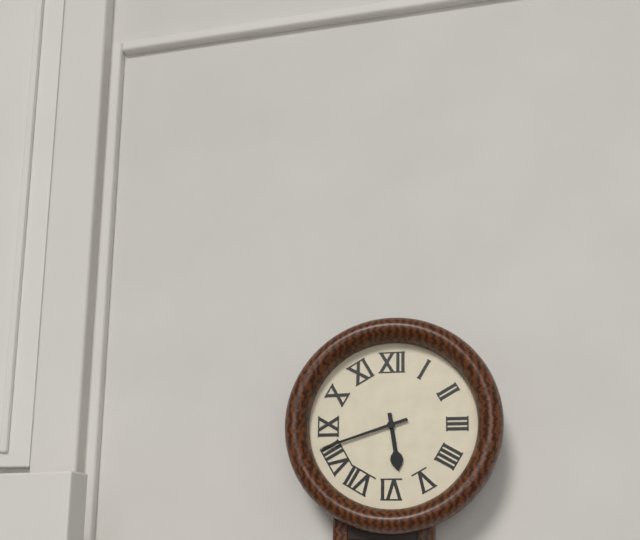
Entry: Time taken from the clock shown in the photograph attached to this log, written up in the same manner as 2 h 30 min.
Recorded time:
5 h 42 min
